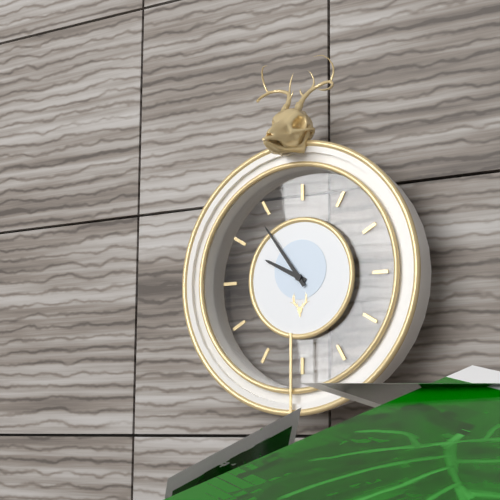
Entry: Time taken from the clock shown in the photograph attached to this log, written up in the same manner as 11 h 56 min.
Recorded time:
9 h 54 min
